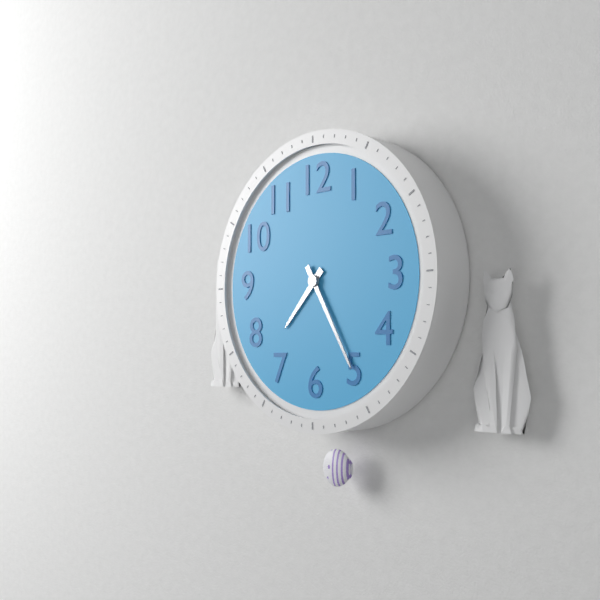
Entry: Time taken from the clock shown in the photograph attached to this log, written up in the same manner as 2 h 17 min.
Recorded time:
7 h 25 min
